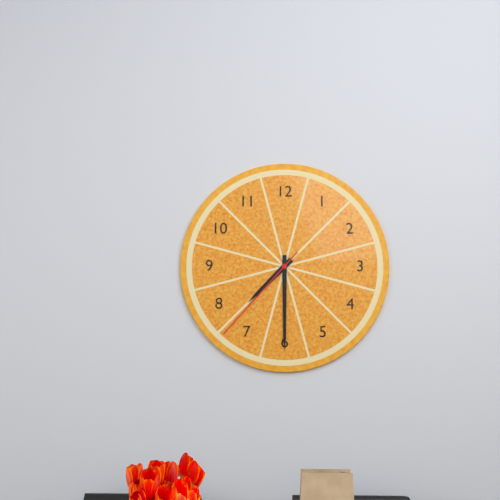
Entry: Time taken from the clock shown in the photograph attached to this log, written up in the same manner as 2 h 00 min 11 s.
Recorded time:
7 h 30 min 37 s
